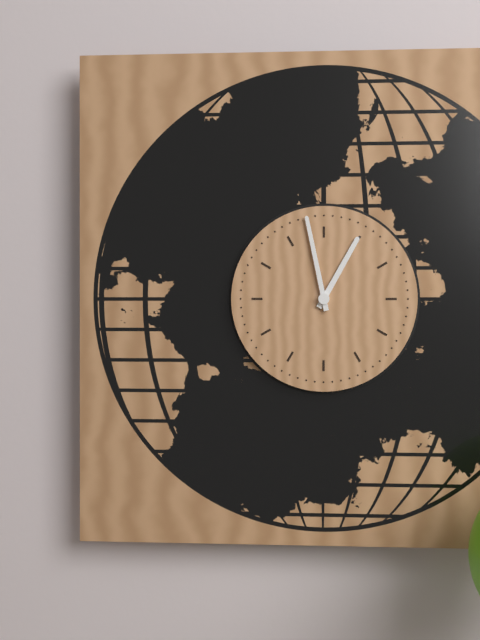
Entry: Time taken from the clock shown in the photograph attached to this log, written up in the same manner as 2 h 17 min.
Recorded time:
12 h 58 min
